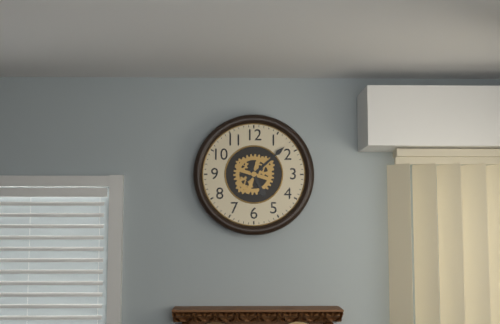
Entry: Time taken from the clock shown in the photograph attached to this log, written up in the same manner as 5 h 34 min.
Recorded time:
5 h 08 min
